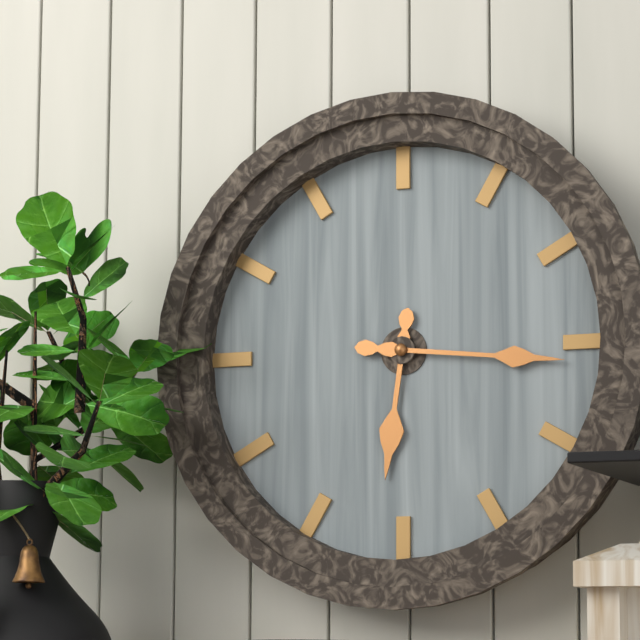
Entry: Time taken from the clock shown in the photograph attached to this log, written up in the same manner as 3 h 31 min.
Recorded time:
6 h 16 min
